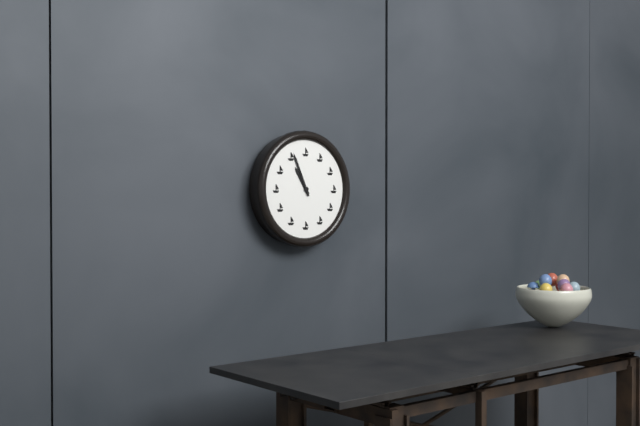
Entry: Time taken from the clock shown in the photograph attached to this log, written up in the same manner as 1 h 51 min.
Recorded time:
10 h 56 min
